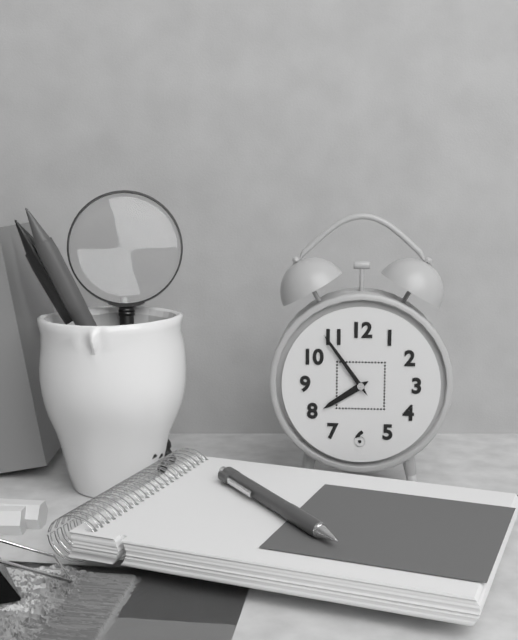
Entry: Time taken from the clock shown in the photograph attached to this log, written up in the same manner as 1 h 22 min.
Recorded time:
7 h 54 min
